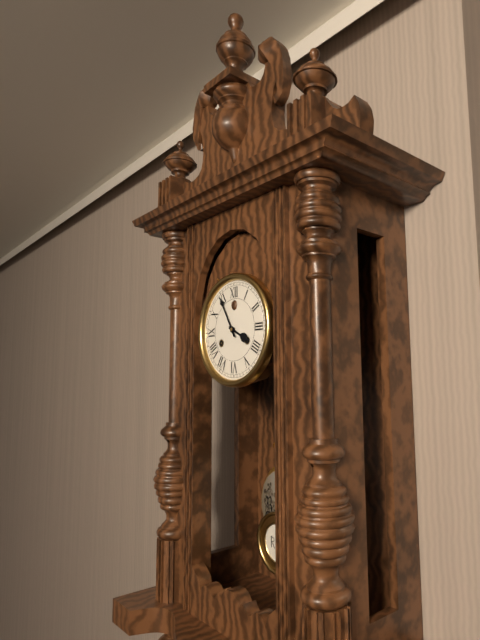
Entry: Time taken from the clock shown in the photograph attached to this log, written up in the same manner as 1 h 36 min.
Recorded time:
3 h 55 min
